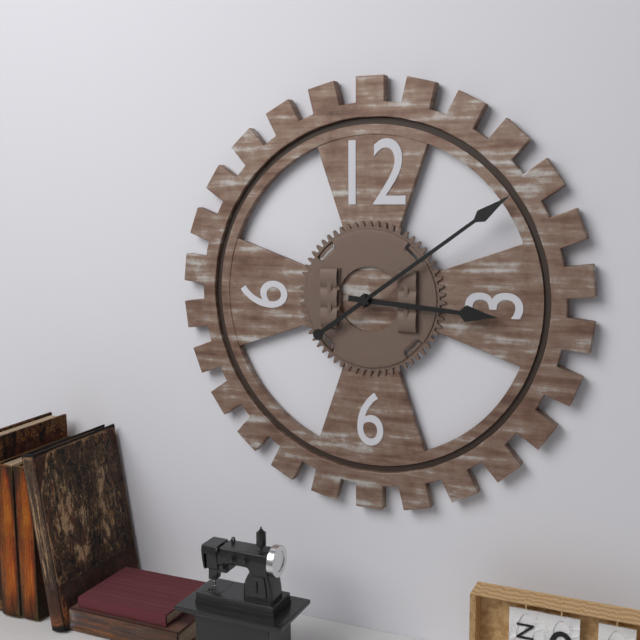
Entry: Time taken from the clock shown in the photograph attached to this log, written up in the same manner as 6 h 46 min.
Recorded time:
3 h 09 min
